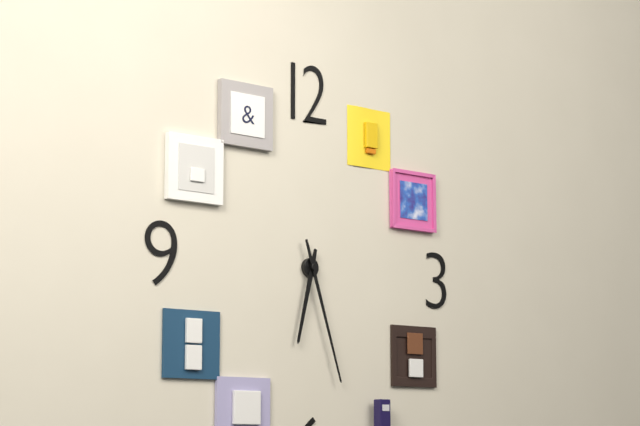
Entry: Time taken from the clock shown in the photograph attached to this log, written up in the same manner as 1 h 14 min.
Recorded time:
6 h 27 min
